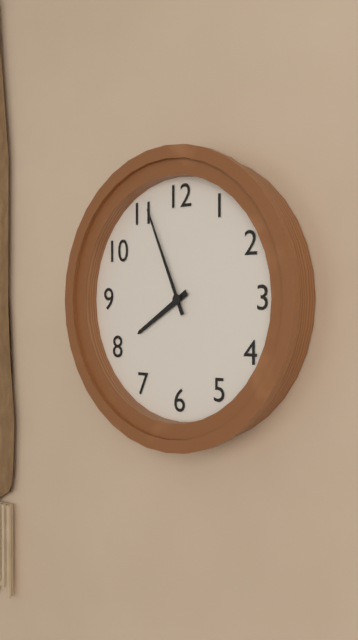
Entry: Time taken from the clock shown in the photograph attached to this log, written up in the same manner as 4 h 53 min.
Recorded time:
7 h 56 min
